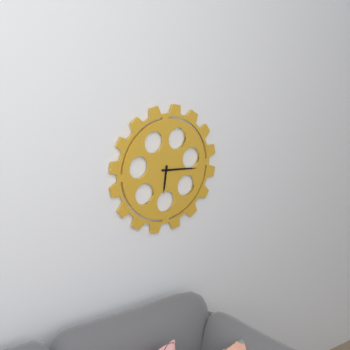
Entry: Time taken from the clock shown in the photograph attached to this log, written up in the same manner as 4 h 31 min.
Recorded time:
6 h 16 min
